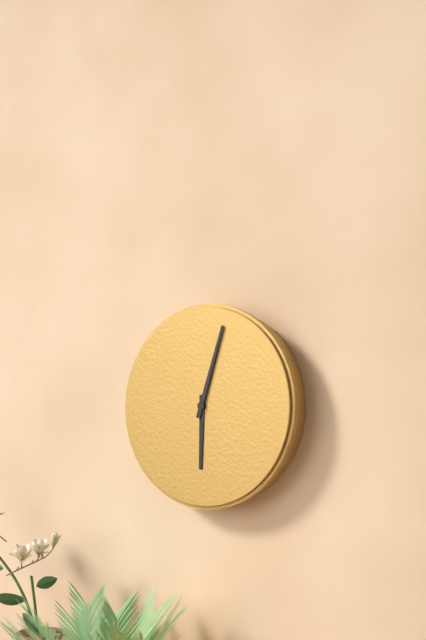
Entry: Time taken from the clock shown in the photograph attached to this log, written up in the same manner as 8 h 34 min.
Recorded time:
6 h 03 min
